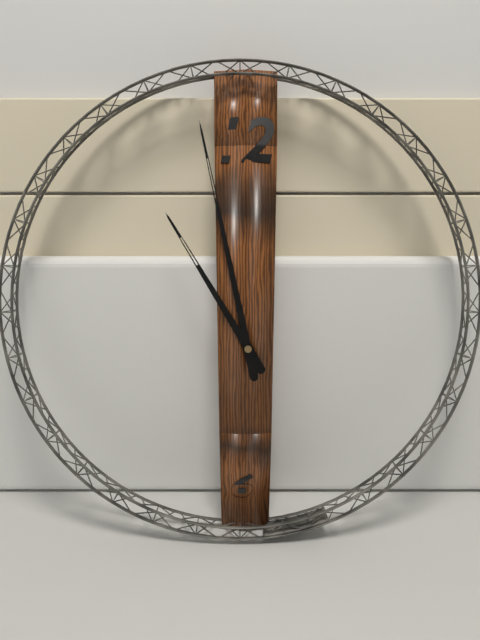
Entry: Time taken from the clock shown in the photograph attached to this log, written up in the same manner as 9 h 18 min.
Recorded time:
10 h 58 min
